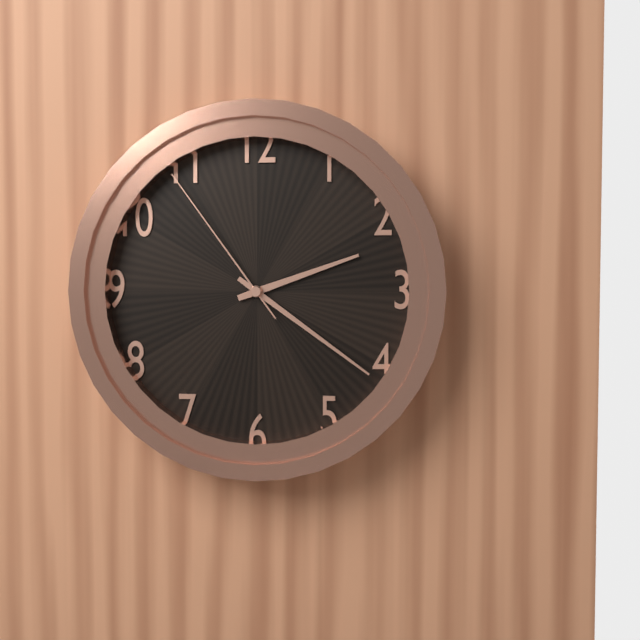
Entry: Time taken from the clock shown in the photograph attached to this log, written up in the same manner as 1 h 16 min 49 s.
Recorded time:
2 h 21 min 54 s
